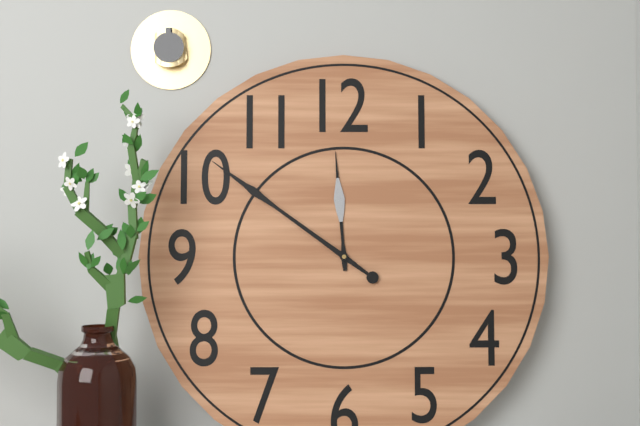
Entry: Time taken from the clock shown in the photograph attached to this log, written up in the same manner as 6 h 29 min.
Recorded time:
11 h 51 min
